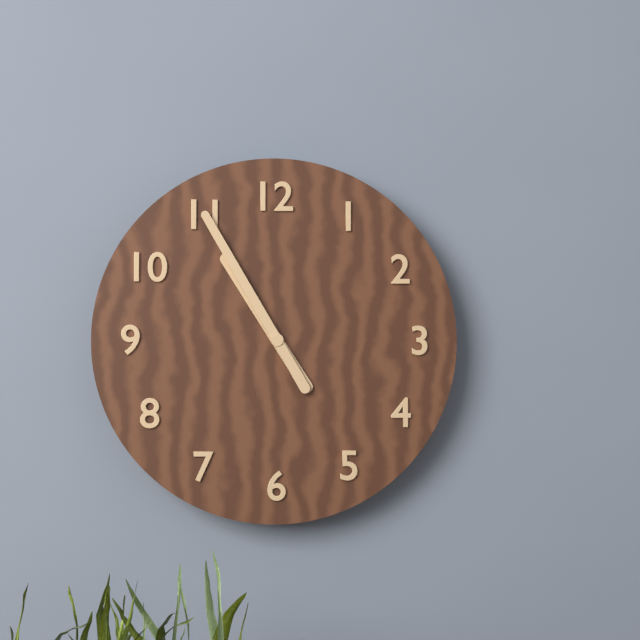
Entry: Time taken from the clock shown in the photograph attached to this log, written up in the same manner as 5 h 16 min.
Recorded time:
10 h 55 min
